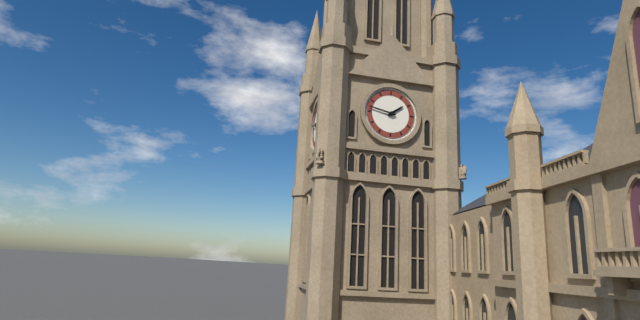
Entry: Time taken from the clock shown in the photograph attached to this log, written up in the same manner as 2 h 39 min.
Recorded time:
1 h 47 min
